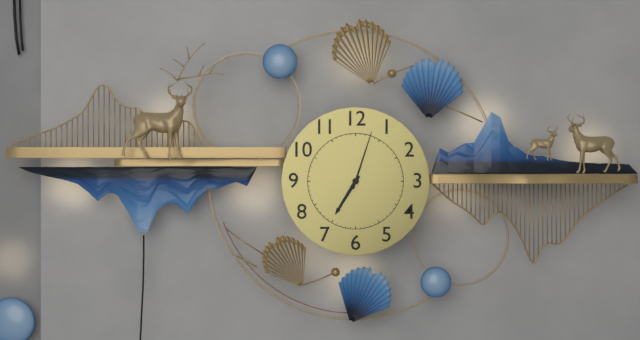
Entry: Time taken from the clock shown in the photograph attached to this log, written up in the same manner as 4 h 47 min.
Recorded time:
7 h 03 min
